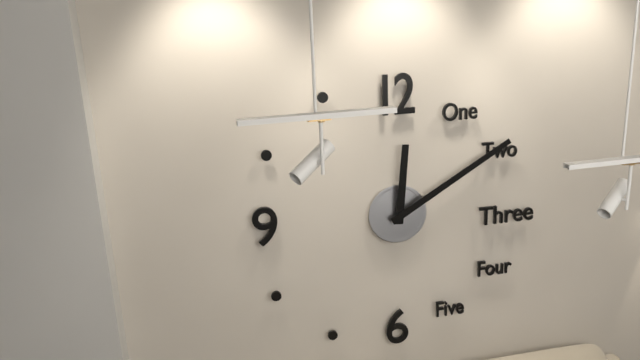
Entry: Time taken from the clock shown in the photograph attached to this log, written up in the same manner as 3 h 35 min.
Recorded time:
12 h 10 min
